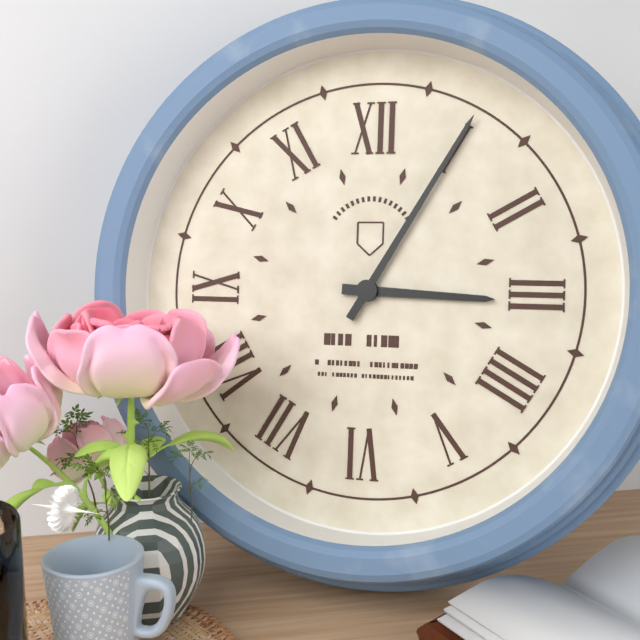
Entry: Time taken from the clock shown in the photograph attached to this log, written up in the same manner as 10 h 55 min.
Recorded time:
3 h 05 min
